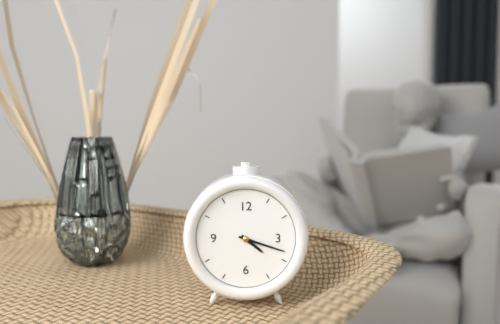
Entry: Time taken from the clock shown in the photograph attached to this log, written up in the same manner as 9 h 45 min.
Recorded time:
4 h 18 min
